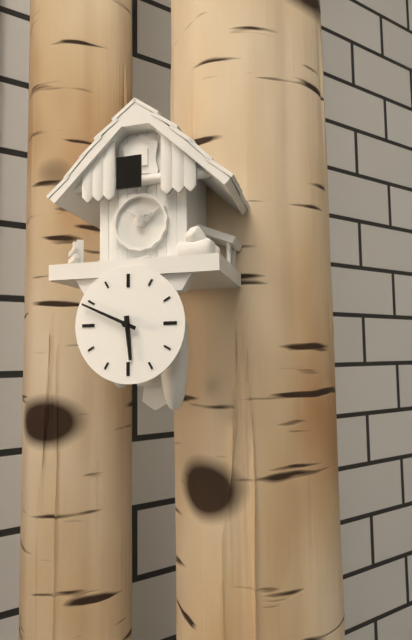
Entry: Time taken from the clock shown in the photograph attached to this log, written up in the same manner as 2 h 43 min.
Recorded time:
5 h 49 min
